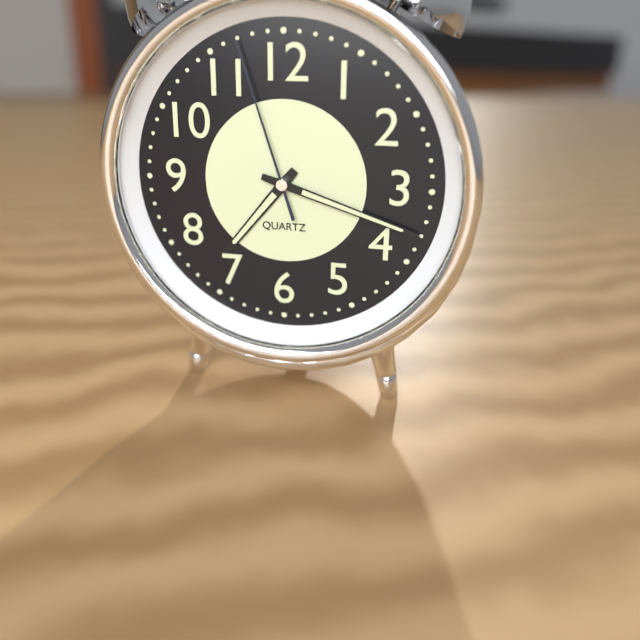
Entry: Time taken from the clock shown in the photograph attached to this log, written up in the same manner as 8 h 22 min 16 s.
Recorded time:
7 h 18 min 57 s
